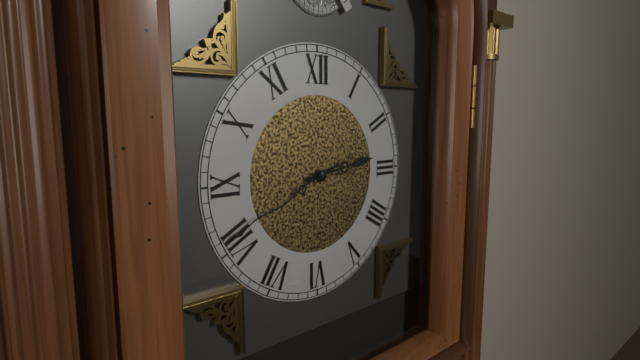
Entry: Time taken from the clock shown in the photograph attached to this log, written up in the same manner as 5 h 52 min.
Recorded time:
2 h 41 min
